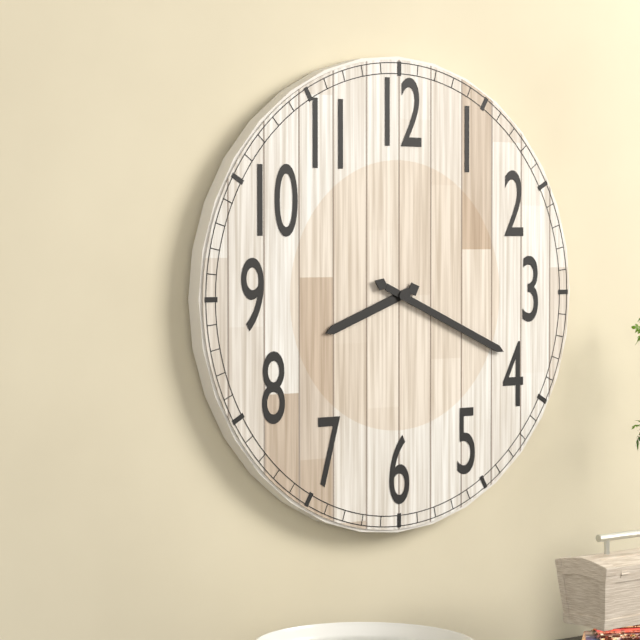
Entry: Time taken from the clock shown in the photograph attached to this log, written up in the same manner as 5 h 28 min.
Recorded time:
8 h 19 min
